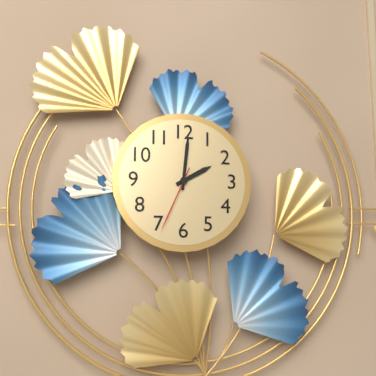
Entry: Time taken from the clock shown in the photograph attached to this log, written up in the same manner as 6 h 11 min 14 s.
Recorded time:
2 h 01 min 34 s
